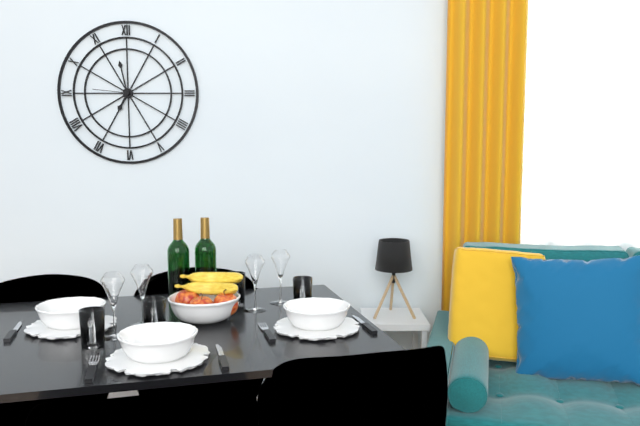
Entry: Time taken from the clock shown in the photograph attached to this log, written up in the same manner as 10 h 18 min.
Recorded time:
6 h 58 min
